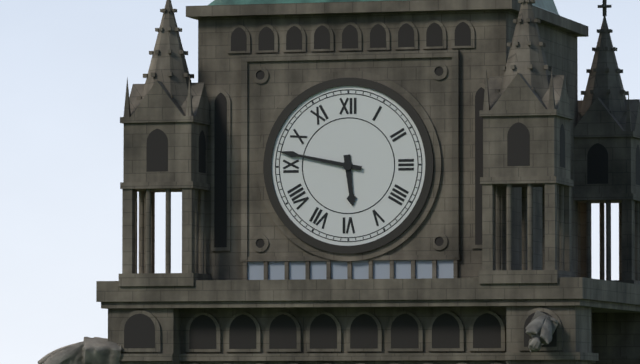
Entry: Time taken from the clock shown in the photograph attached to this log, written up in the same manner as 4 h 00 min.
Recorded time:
5 h 47 min
